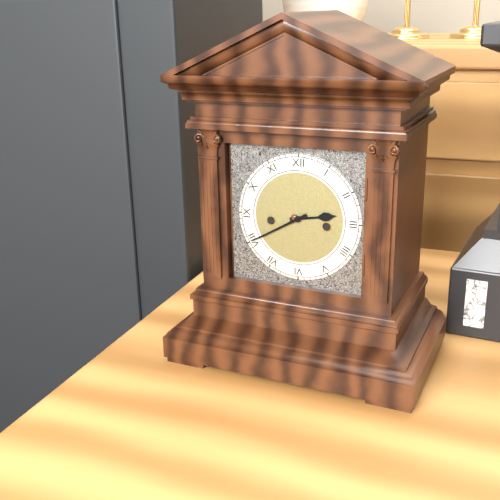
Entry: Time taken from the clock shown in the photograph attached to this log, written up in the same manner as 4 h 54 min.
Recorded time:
2 h 40 min
